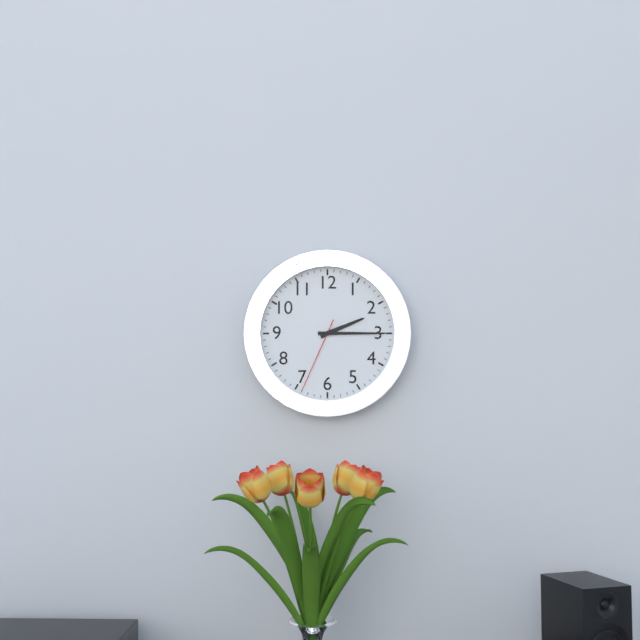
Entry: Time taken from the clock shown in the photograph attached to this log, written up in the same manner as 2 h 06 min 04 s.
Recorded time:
2 h 15 min 34 s
